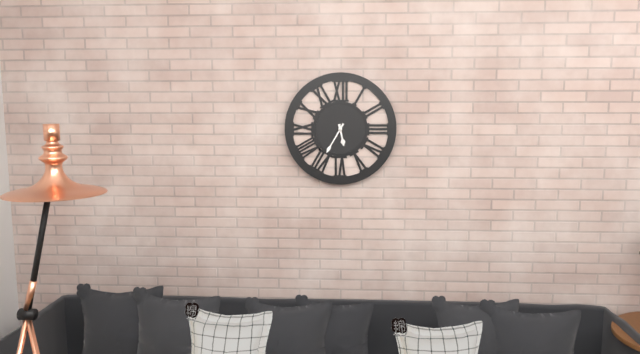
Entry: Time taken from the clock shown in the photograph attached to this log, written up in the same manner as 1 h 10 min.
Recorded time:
5 h 35 min
